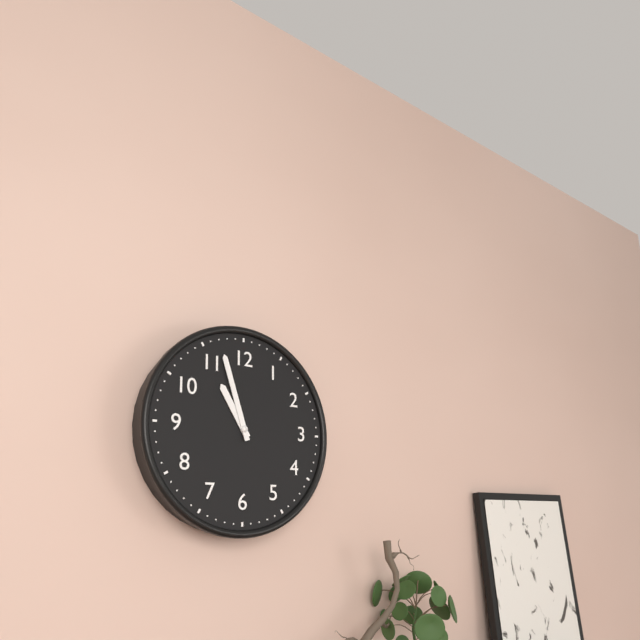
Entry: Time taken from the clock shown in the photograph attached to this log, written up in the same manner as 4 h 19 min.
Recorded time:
10 h 57 min
